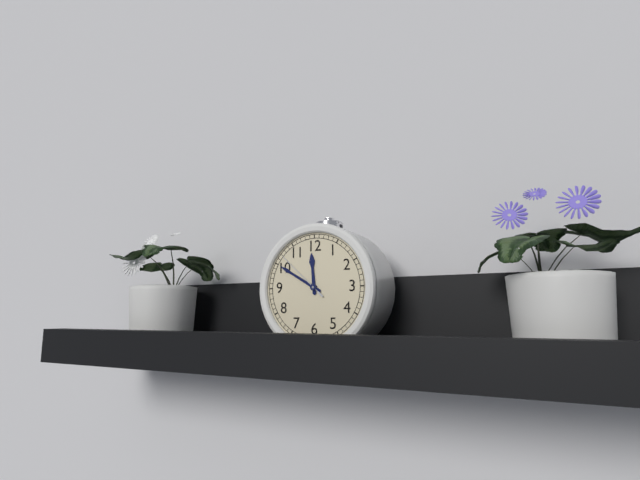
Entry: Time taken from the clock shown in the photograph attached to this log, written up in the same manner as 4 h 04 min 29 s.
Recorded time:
11 h 50 min 52 s
